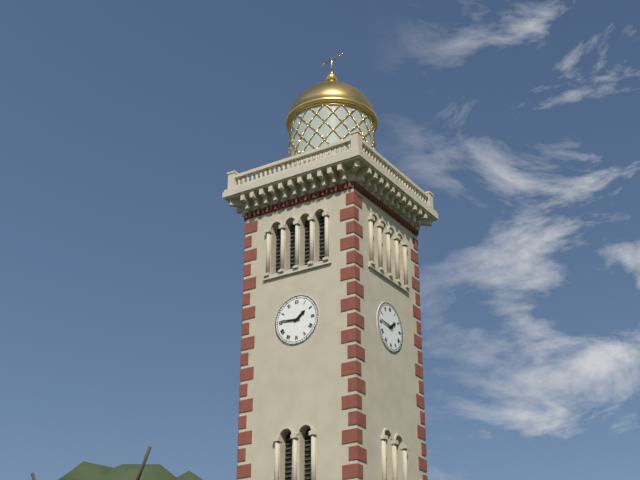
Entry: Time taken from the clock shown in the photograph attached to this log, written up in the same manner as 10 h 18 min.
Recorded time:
1 h 46 min
